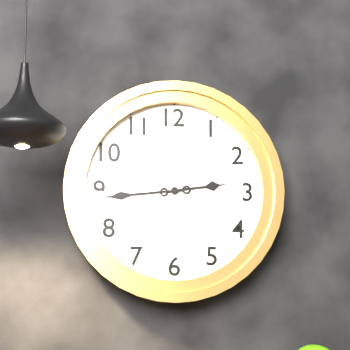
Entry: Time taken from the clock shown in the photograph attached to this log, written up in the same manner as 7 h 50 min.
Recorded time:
2 h 44 min
